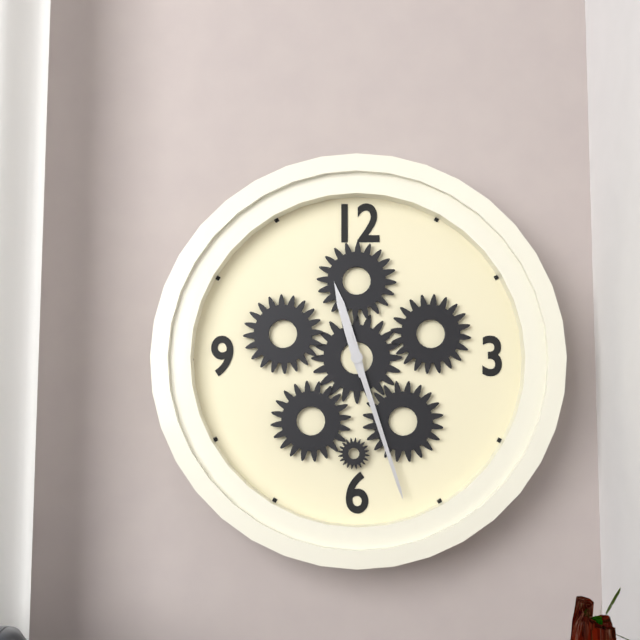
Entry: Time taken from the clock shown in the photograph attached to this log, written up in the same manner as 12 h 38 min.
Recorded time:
11 h 27 min
